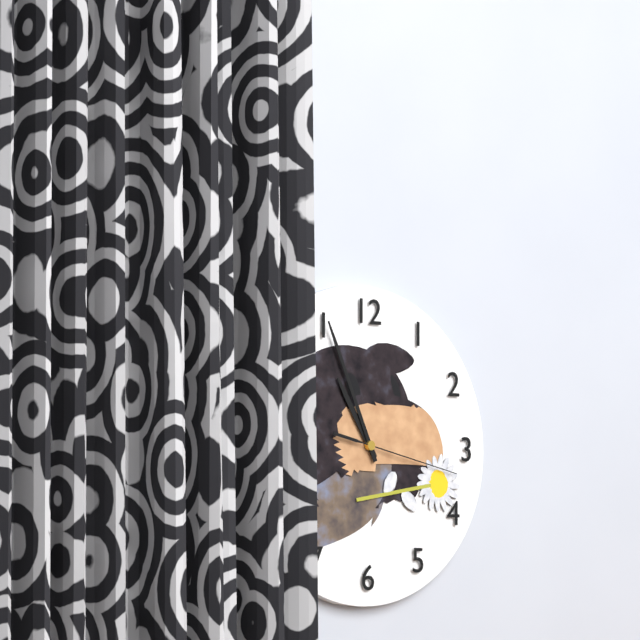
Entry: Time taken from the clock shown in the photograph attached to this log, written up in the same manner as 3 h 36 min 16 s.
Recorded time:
10 h 56 min 17 s
